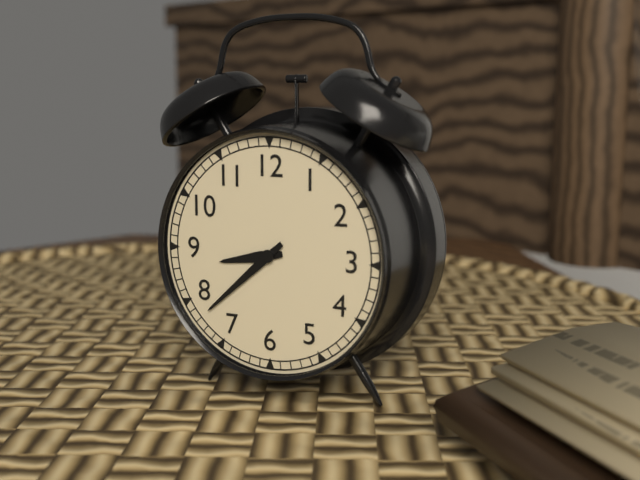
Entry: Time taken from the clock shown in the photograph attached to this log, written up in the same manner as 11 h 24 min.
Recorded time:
8 h 38 min
